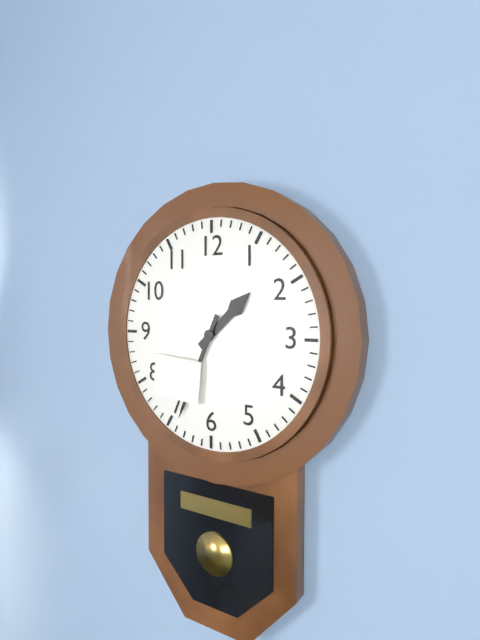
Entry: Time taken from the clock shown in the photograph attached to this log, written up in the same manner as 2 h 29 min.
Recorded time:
1 h 34 min
